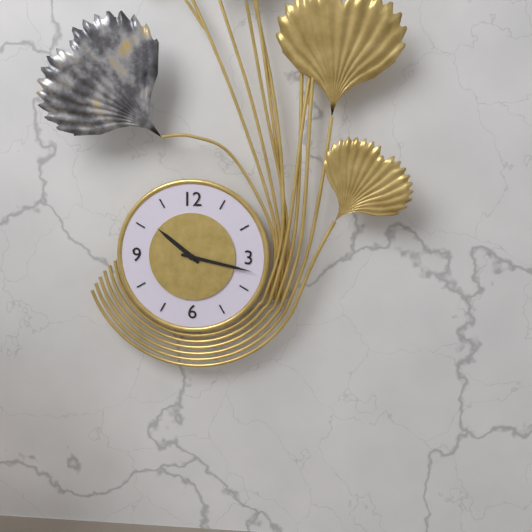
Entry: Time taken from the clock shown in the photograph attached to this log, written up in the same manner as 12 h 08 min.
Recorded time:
10 h 17 min
